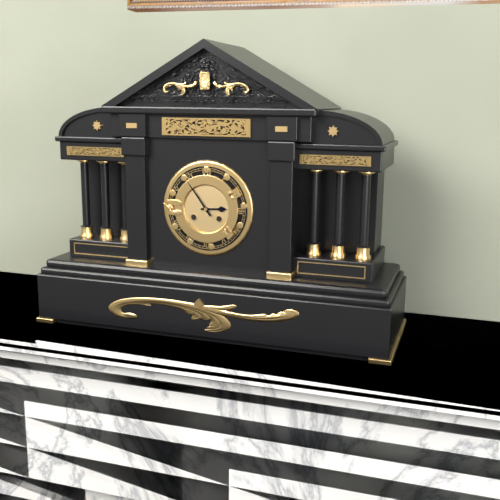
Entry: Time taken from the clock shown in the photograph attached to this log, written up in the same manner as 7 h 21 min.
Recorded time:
2 h 54 min
